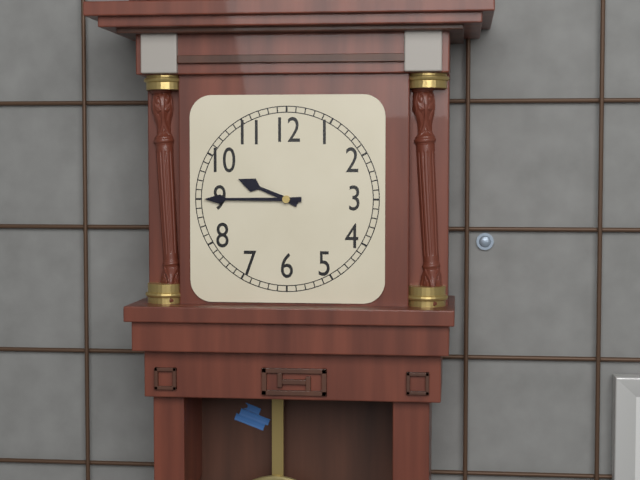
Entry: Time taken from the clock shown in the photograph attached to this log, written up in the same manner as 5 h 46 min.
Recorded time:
9 h 45 min
